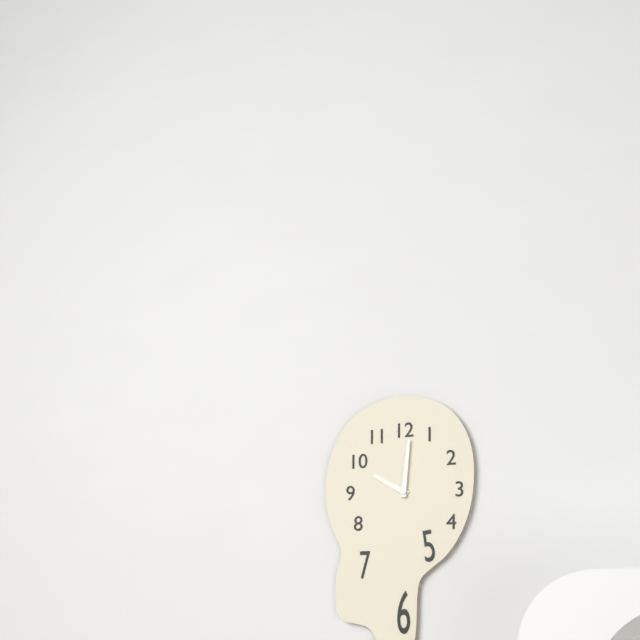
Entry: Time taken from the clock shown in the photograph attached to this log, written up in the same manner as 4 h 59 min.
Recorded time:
10 h 01 min
